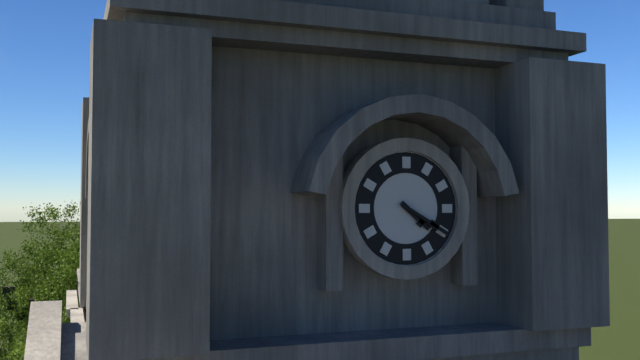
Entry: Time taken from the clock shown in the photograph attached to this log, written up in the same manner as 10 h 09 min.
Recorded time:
4 h 20 min
